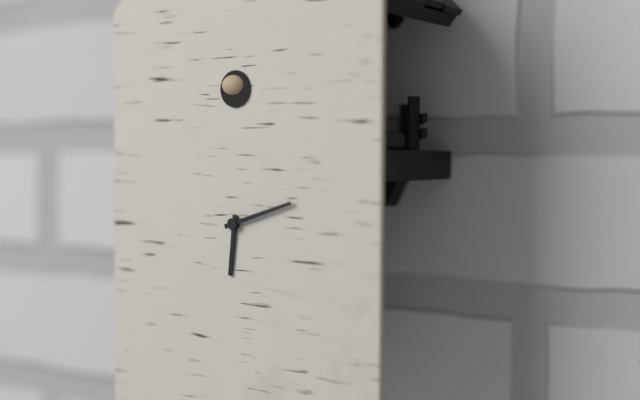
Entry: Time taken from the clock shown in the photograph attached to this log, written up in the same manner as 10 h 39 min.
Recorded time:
6 h 12 min
